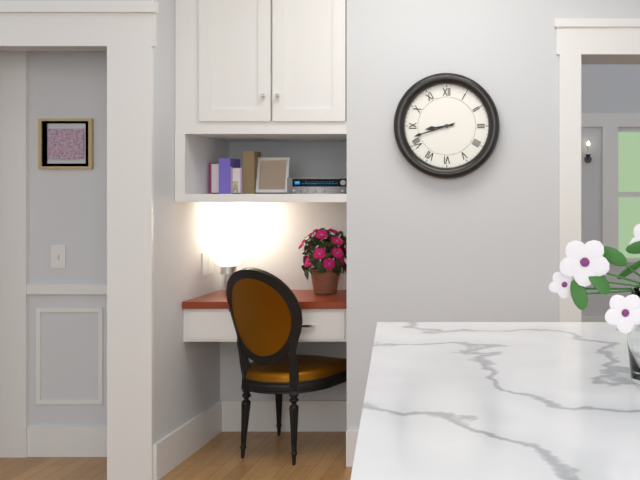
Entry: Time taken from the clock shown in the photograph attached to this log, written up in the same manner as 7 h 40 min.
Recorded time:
8 h 42 min
